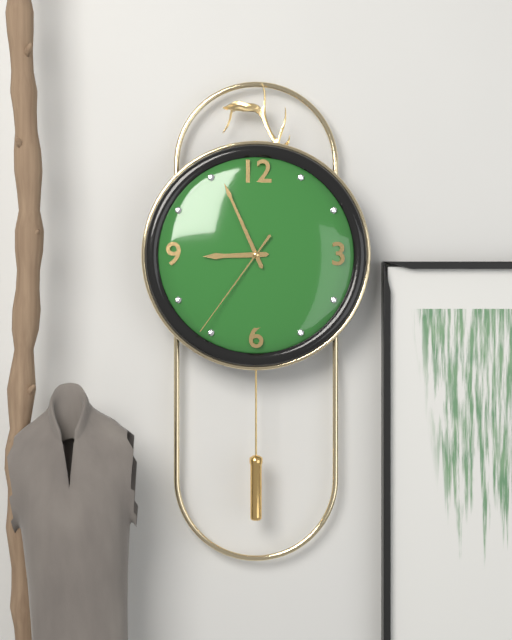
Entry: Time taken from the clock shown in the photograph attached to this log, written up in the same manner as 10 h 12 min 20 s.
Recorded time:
8 h 56 min 36 s
